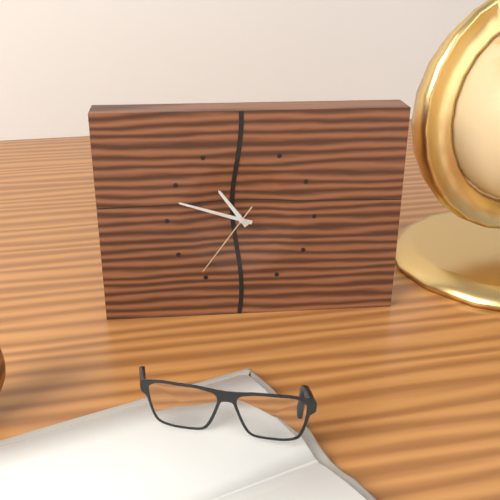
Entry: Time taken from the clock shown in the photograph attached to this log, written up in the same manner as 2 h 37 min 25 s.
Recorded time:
10 h 48 min 36 s
